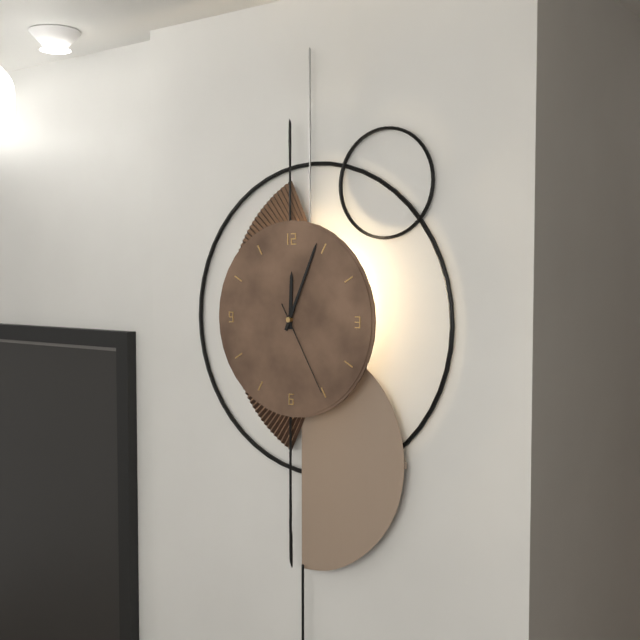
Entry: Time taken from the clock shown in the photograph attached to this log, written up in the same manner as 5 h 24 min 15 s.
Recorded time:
12 h 04 min 25 s
